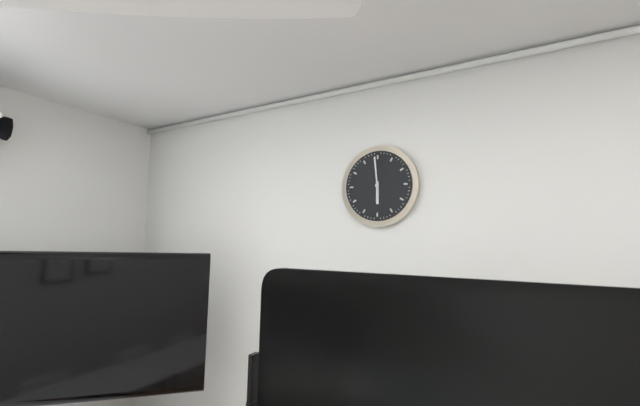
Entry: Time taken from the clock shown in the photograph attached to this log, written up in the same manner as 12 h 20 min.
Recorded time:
5 h 59 min
